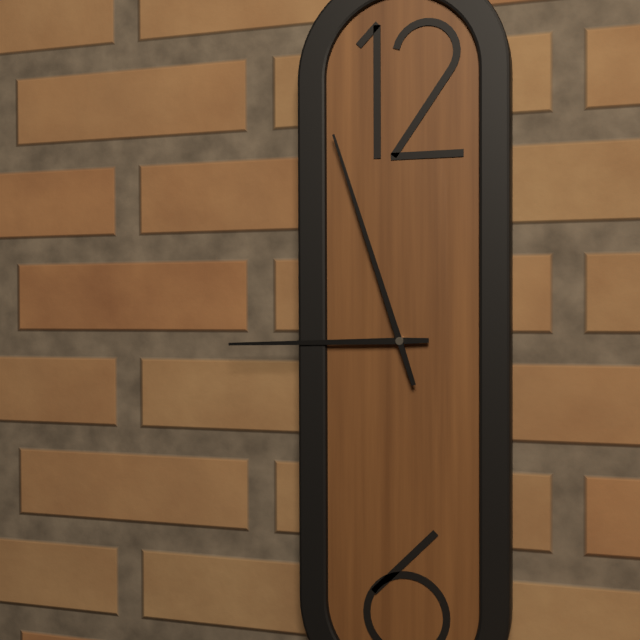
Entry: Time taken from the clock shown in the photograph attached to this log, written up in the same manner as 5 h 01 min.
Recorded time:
8 h 57 min
